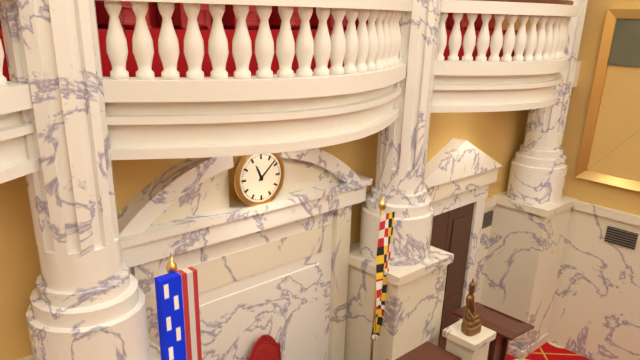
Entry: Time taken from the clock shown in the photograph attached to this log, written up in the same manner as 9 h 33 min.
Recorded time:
11 h 08 min
